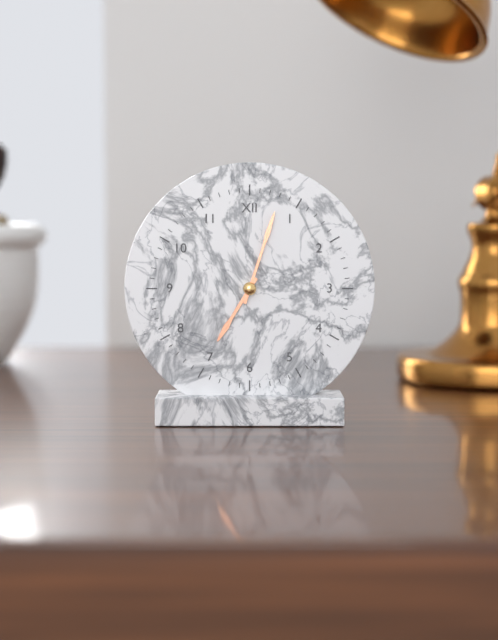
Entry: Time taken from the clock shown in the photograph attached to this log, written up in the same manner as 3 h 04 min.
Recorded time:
7 h 03 min
